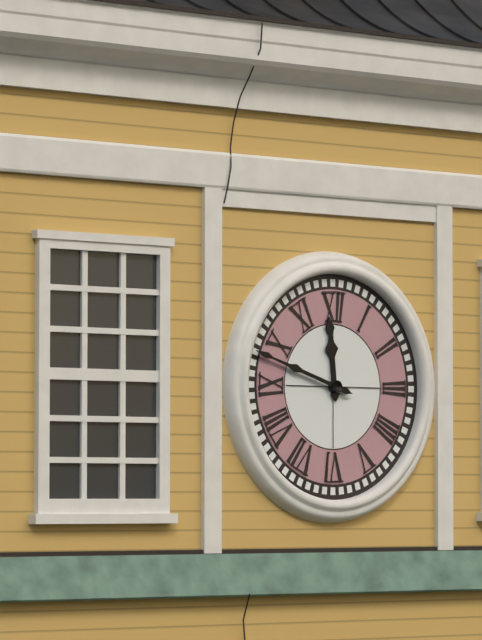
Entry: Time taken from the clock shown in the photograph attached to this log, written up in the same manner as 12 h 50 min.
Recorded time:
11 h 48 min
